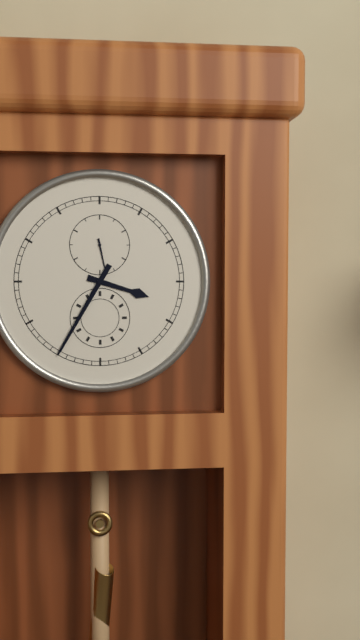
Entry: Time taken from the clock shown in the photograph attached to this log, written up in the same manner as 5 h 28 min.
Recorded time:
3 h 35 min
